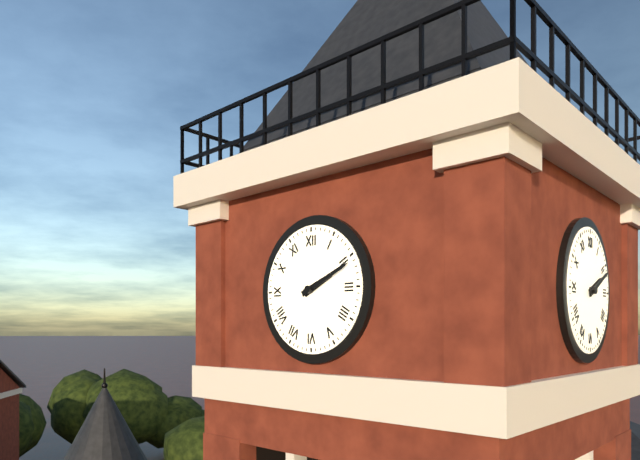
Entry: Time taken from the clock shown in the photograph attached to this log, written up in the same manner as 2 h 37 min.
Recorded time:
2 h 11 min
